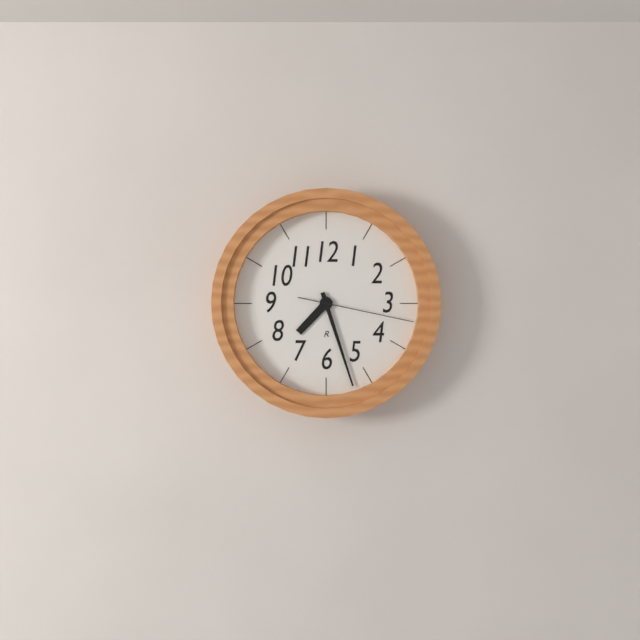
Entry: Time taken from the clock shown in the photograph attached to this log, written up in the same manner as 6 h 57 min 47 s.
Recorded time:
7 h 27 min 17 s
